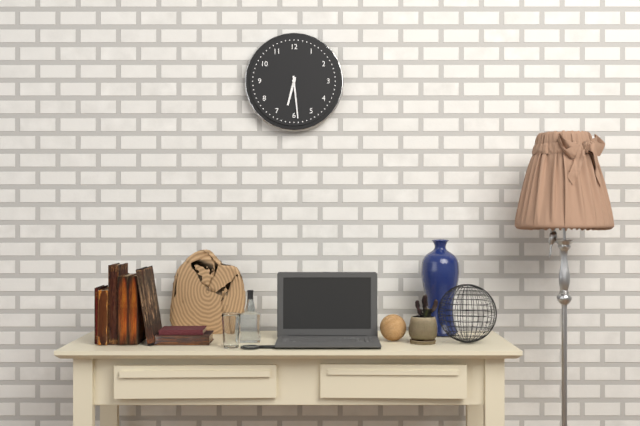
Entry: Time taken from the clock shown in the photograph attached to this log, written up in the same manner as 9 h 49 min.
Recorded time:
6 h 29 min
